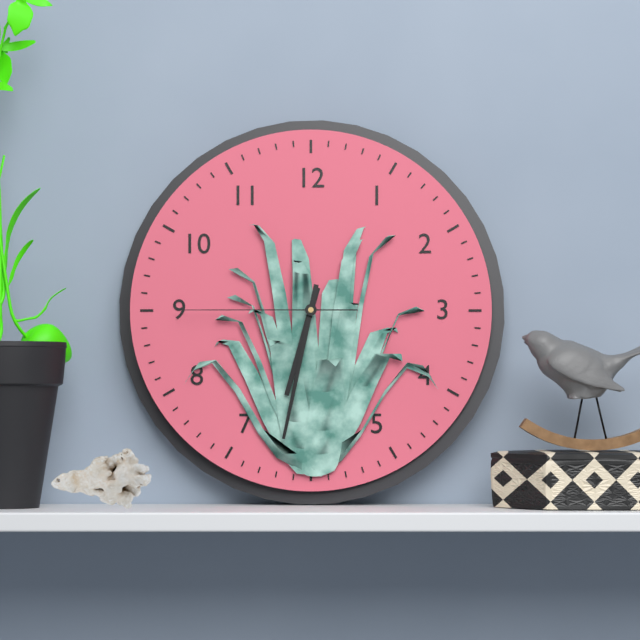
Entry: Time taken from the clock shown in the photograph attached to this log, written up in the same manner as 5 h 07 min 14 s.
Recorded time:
6 h 32 min 45 s
